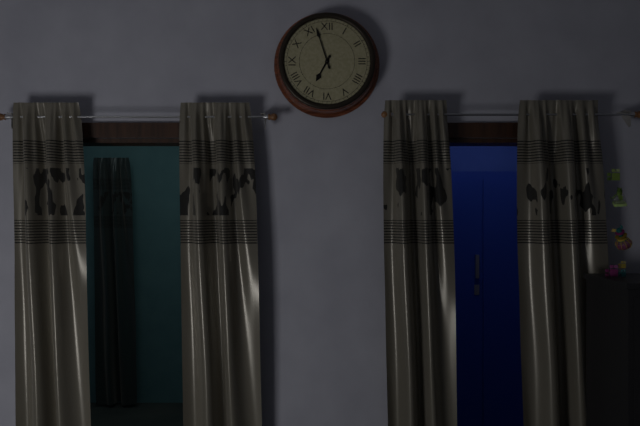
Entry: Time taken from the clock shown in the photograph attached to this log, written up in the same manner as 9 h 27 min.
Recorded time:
6 h 57 min
